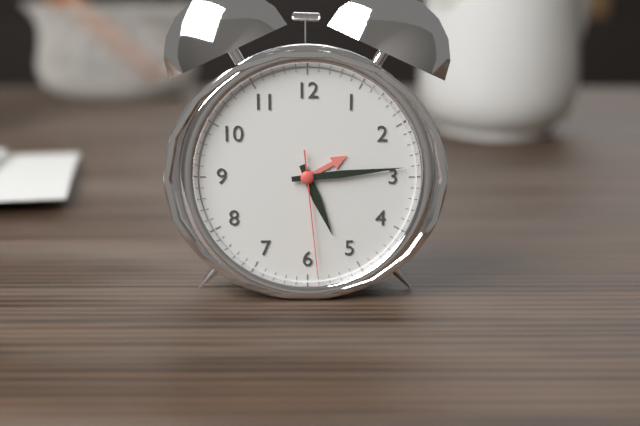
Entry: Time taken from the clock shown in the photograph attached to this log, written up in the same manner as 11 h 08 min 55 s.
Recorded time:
5 h 14 min 29 s
